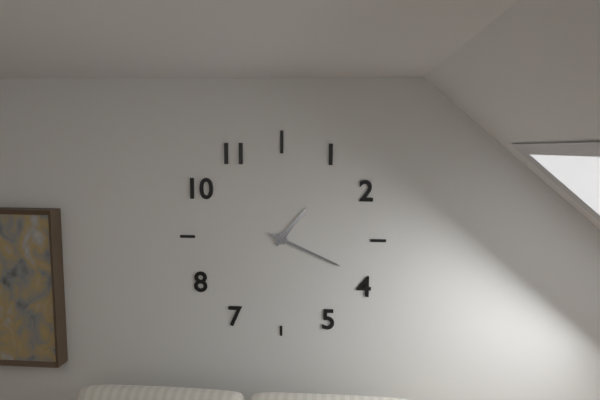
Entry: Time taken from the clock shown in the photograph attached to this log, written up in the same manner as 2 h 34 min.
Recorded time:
1 h 19 min
